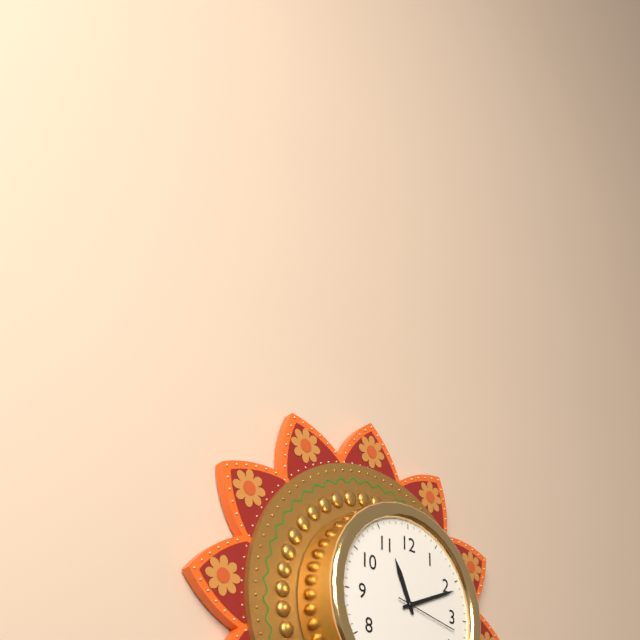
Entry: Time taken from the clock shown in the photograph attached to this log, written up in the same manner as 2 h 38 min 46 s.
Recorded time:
11 h 11 min 17 s
